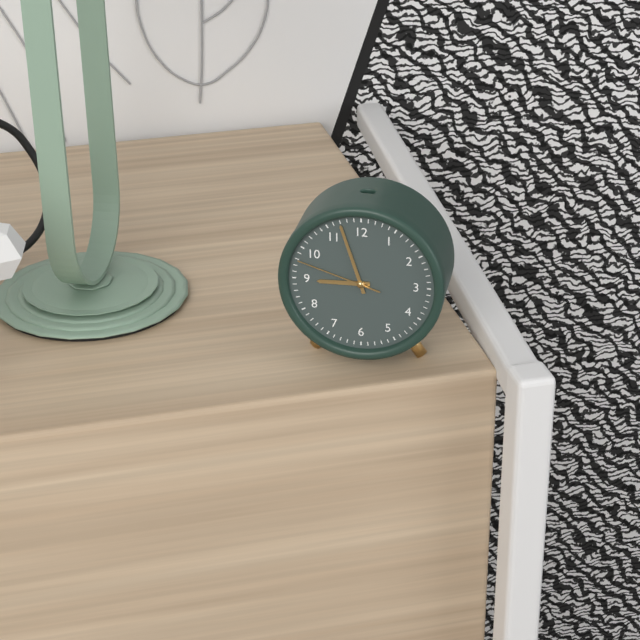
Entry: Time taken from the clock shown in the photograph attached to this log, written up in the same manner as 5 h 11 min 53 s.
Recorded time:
8 h 57 min 48 s
